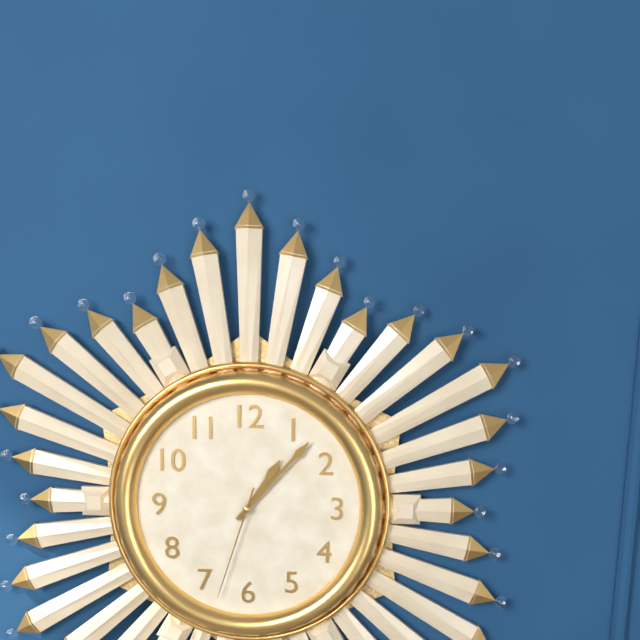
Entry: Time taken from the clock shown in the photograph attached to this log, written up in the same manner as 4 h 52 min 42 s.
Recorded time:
1 h 07 min 33 s
